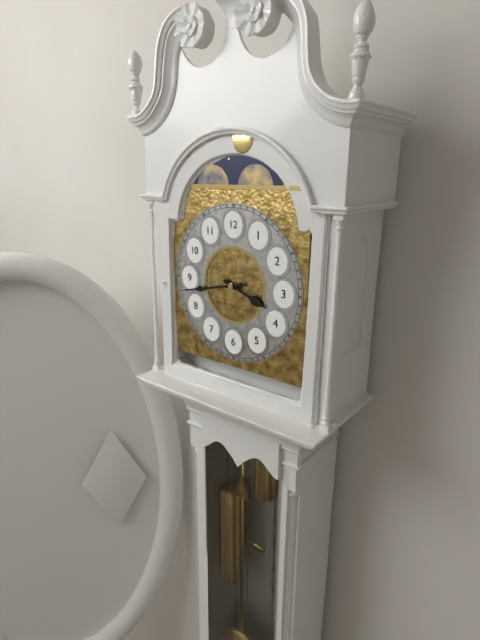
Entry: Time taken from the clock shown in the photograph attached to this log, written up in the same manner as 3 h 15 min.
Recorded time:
3 h 43 min
